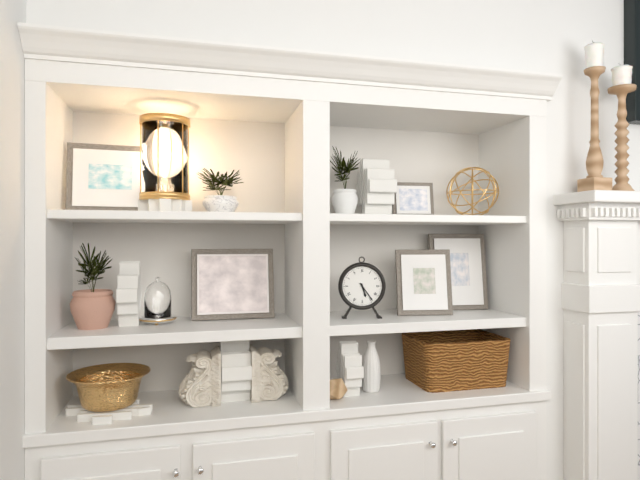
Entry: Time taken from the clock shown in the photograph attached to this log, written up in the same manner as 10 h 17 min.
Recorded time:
5 h 24 min
